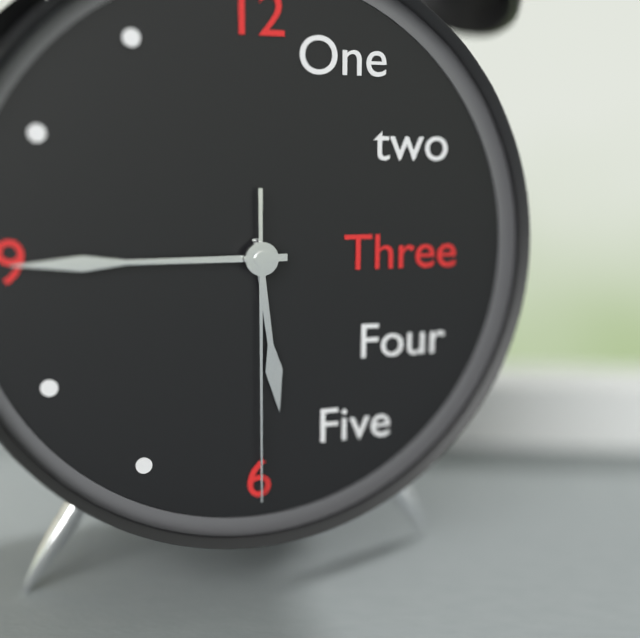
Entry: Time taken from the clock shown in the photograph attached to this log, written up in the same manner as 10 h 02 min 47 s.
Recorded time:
5 h 45 min 30 s
